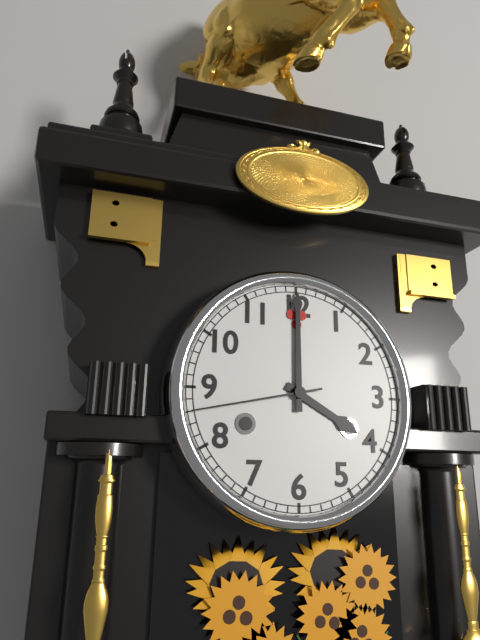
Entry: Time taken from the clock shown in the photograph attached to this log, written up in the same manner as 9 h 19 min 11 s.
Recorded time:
4 h 00 min 43 s
